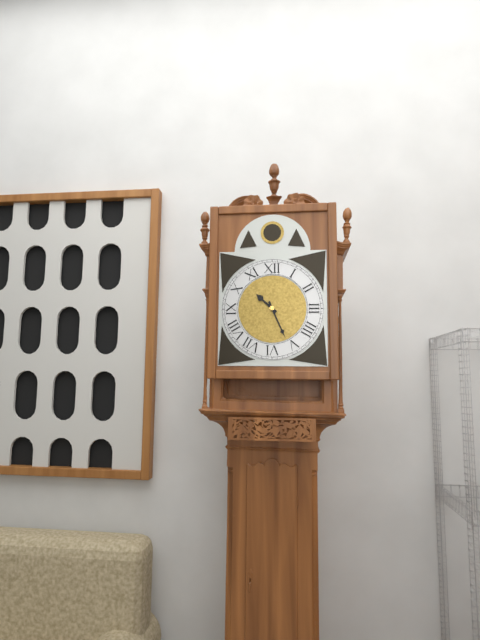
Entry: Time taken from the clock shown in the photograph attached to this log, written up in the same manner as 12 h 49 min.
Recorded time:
10 h 26 min
